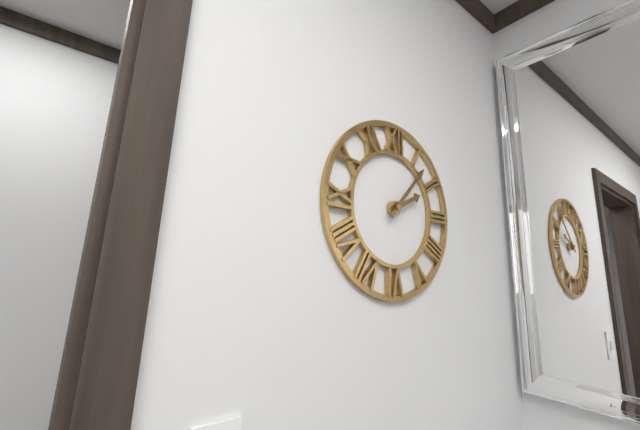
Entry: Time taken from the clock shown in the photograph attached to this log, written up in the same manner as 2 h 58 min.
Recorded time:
2 h 07 min
